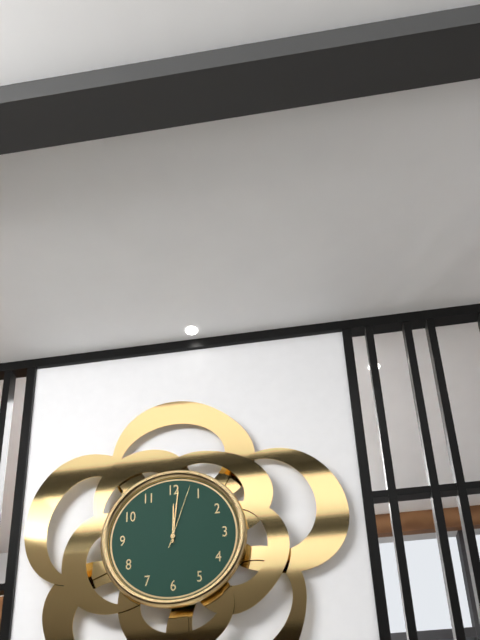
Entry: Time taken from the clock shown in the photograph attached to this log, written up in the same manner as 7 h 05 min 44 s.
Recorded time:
12 h 01 min 03 s
